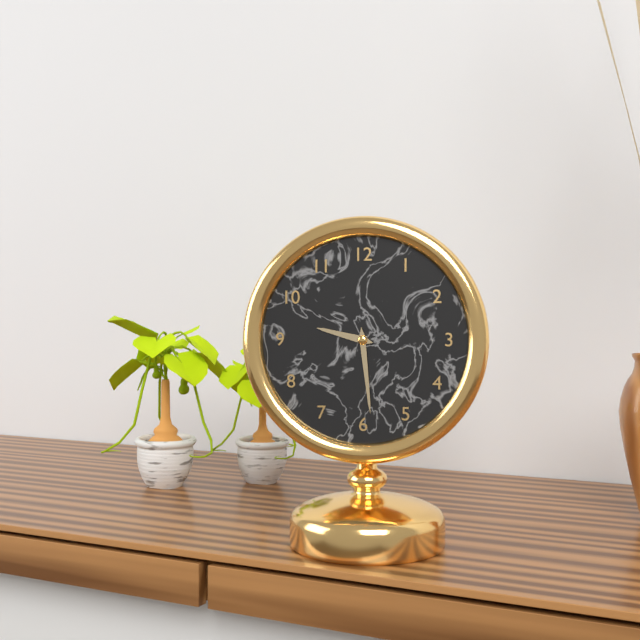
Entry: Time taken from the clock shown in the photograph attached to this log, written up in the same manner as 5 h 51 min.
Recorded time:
9 h 29 min
